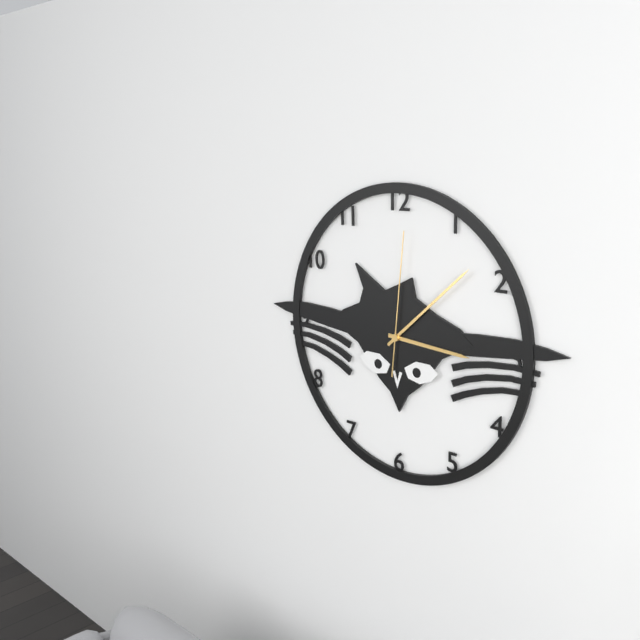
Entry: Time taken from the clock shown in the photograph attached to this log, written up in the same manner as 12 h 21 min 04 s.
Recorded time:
3 h 08 min 01 s
